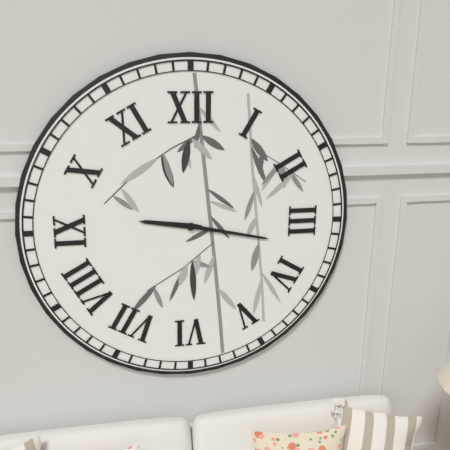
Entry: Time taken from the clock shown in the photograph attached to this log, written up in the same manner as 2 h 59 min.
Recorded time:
9 h 17 min
